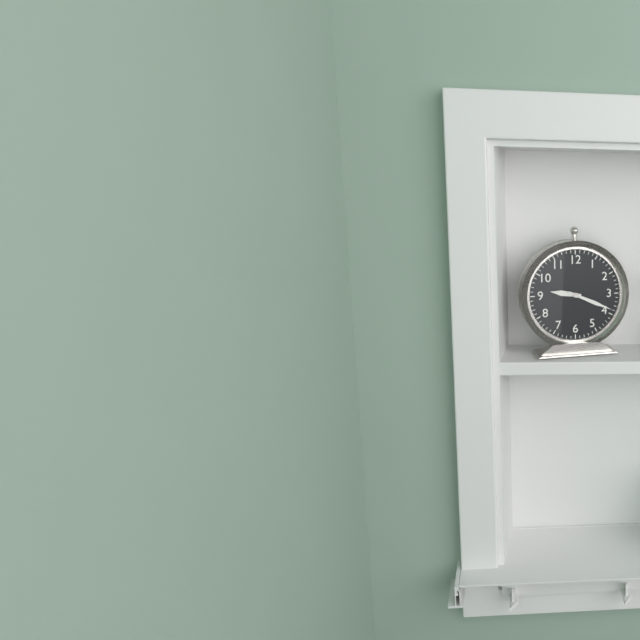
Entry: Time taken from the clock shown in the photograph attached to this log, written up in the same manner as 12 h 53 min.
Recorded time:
9 h 19 min
